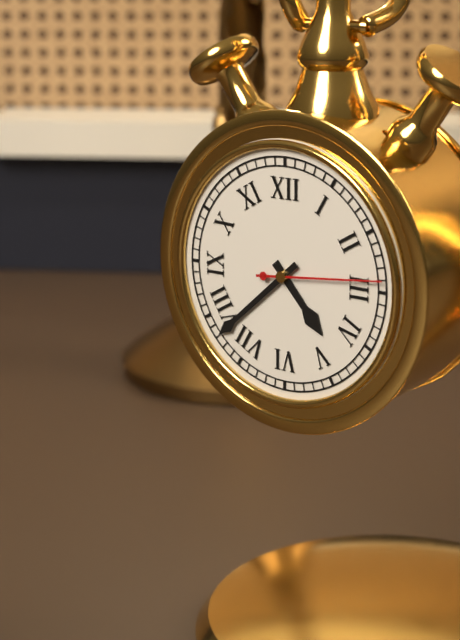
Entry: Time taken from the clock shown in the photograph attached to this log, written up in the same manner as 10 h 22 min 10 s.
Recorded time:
4 h 38 min 14 s
